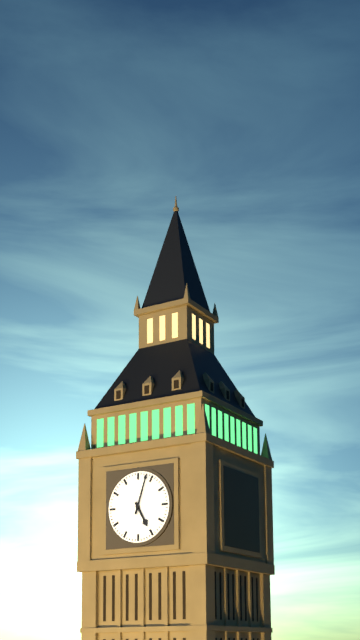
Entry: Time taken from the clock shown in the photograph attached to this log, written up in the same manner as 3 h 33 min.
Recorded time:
5 h 03 min
